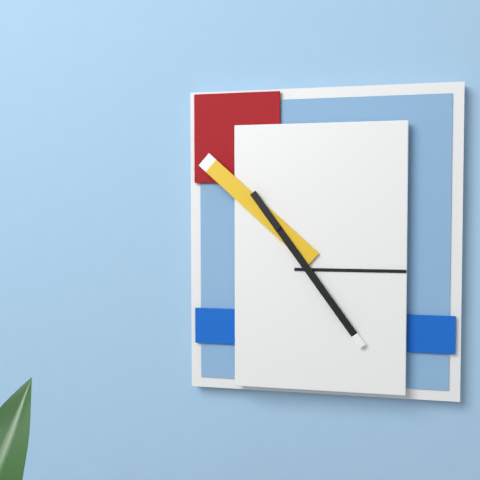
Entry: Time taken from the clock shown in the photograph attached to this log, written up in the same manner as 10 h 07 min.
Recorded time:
10 h 24 min
